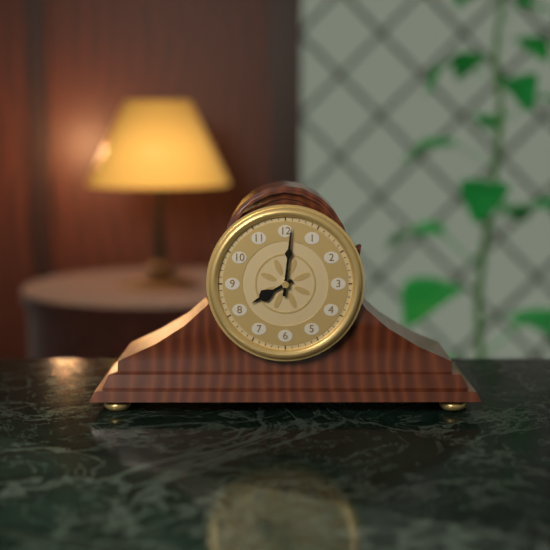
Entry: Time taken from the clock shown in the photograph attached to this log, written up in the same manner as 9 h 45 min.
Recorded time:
8 h 01 min
